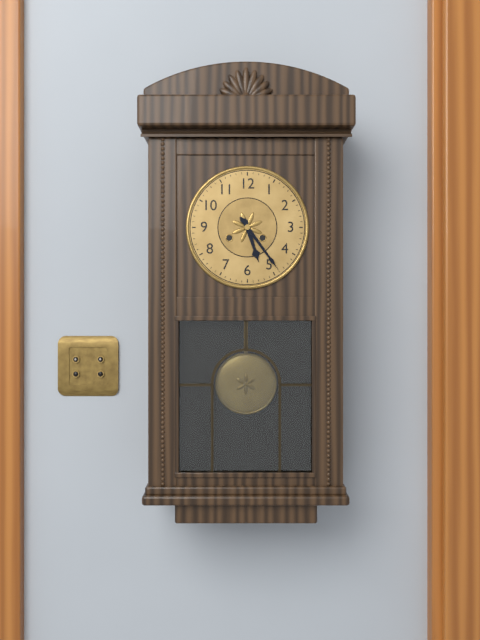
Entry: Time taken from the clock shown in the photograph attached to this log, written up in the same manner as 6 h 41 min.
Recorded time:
5 h 24 min
